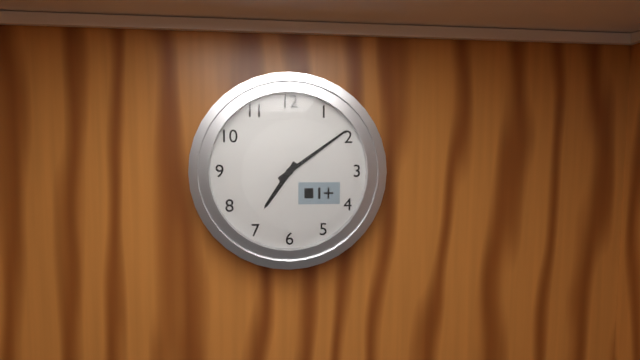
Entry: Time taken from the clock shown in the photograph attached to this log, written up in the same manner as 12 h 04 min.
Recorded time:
7 h 09 min
